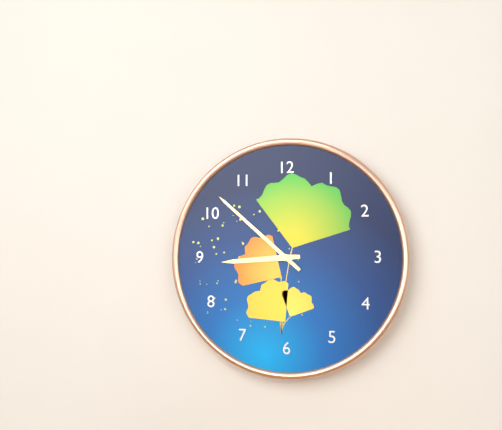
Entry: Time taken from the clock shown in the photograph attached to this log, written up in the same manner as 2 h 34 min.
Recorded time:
8 h 52 min
